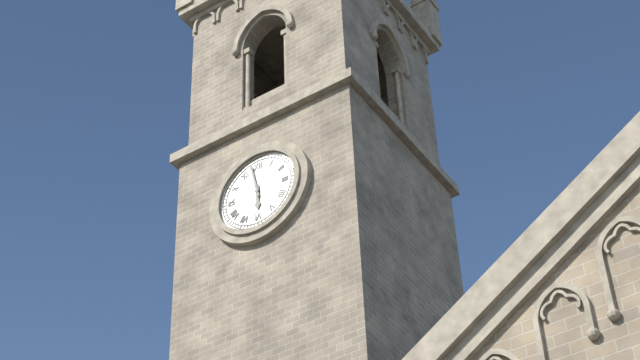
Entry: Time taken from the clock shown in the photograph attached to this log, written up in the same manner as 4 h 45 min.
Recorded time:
5 h 58 min
